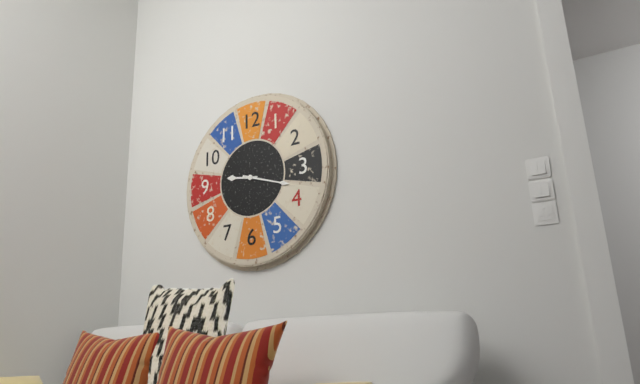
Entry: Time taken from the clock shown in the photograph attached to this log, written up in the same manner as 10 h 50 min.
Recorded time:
9 h 18 min
